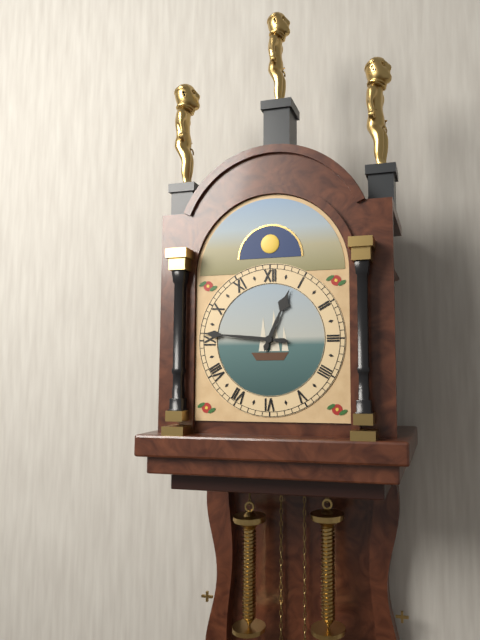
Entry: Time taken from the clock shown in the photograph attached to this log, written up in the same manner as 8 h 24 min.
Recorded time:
12 h 46 min
